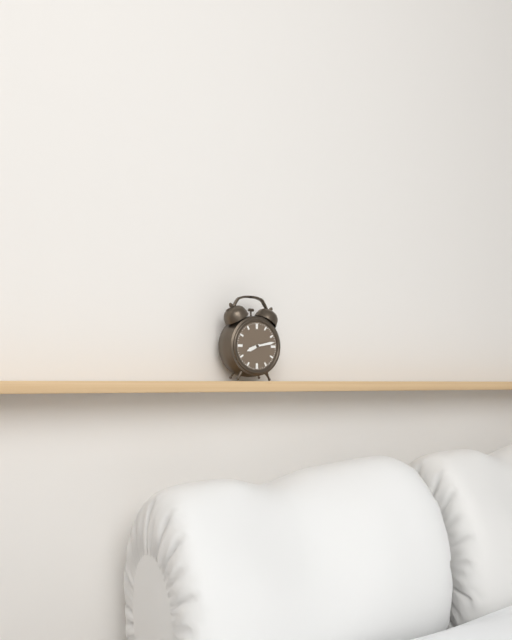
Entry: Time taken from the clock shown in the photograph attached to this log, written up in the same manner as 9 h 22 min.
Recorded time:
8 h 13 min
